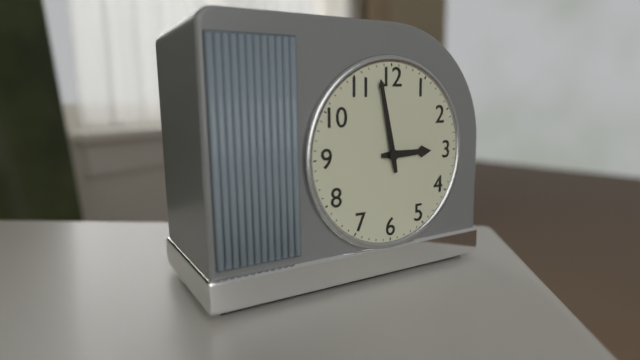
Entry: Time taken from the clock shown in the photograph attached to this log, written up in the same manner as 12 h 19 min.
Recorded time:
2 h 58 min
